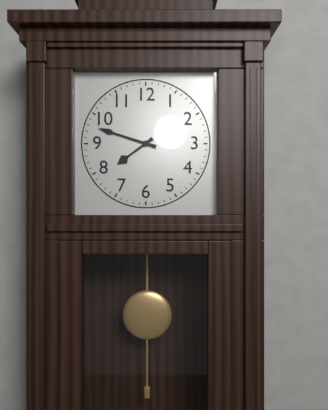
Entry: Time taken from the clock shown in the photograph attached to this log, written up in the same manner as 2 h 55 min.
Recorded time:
7 h 48 min
